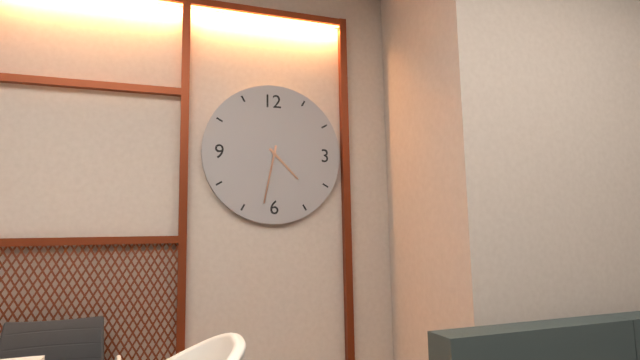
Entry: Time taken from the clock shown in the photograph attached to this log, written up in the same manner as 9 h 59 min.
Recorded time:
4 h 32 min
